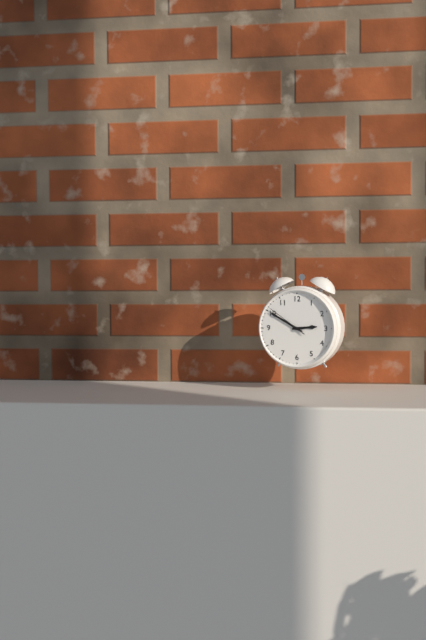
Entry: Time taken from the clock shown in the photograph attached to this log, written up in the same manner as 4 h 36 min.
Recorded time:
2 h 50 min
